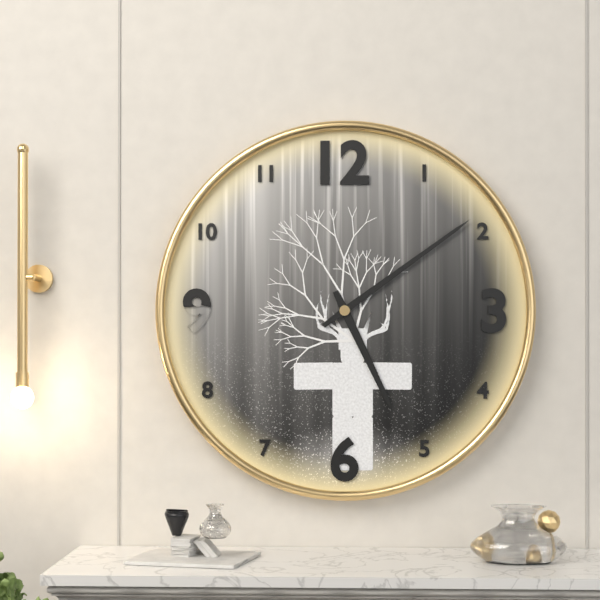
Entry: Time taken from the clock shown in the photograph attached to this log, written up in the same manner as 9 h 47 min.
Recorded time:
5 h 09 min
